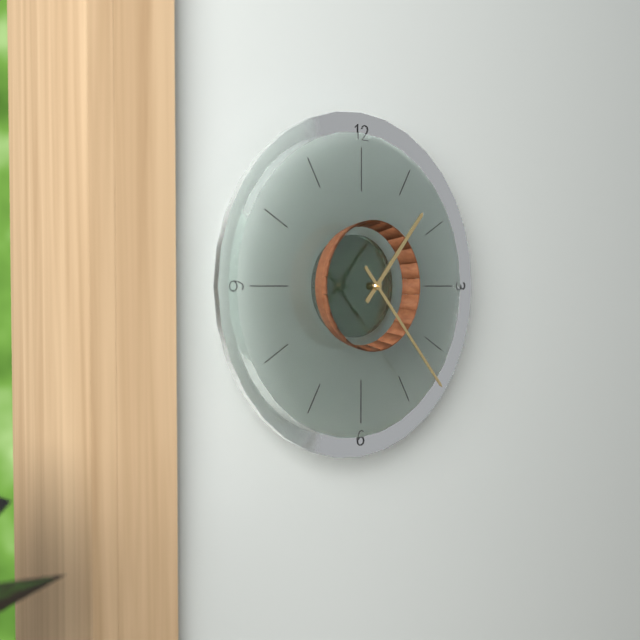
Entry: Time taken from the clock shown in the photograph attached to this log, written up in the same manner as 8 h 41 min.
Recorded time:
1 h 23 min
